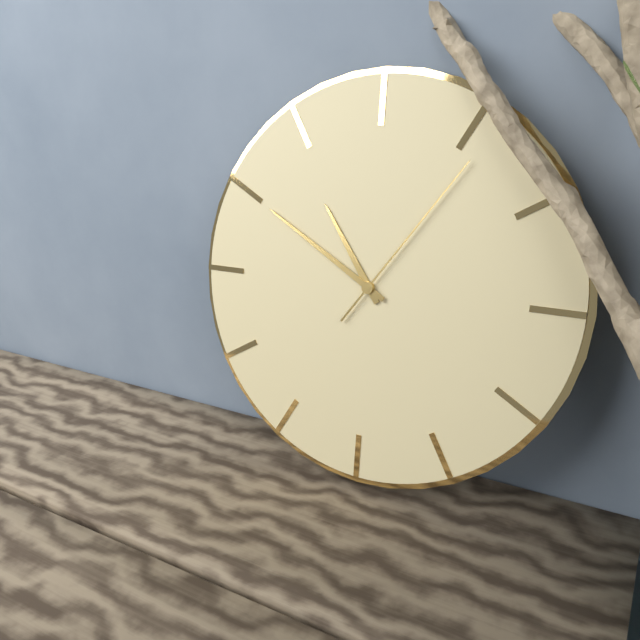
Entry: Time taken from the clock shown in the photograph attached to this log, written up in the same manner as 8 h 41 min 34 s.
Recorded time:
10 h 50 min 06 s
